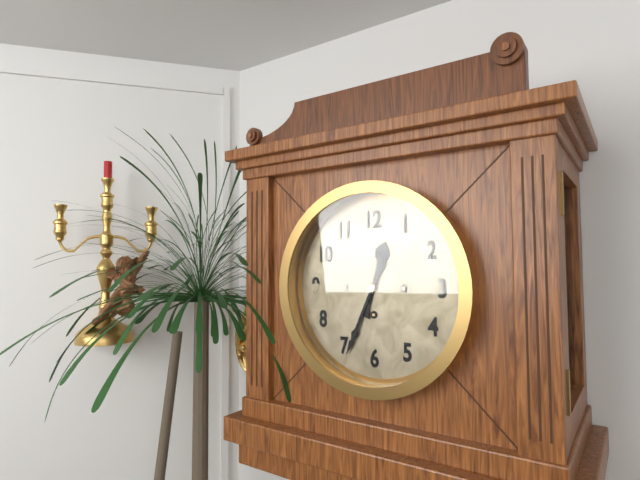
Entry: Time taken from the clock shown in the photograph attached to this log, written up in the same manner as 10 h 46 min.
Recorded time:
12 h 34 min
